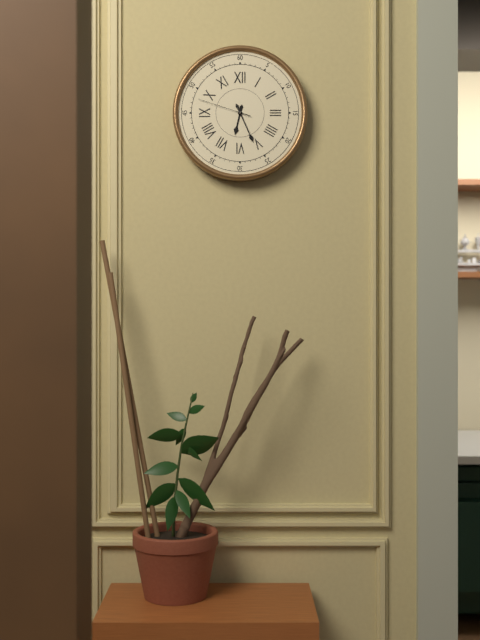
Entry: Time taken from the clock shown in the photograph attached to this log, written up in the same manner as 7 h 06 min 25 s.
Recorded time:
6 h 26 min 48 s
